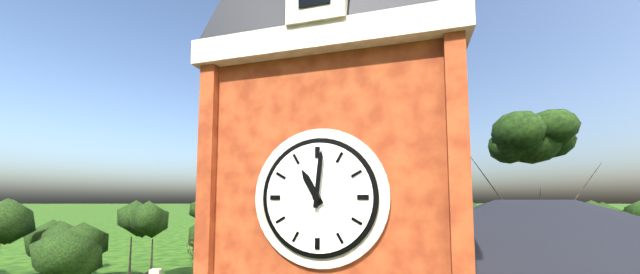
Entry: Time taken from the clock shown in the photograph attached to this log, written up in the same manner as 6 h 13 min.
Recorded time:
11 h 01 min
